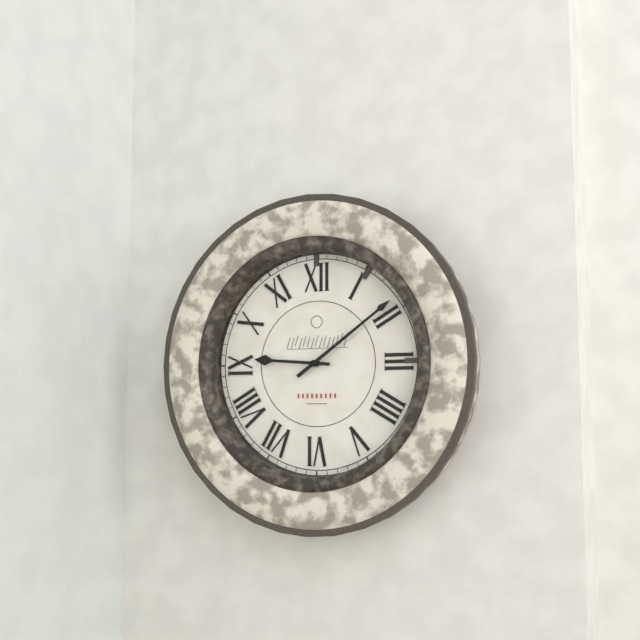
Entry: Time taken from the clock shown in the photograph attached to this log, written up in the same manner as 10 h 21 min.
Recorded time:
9 h 09 min
